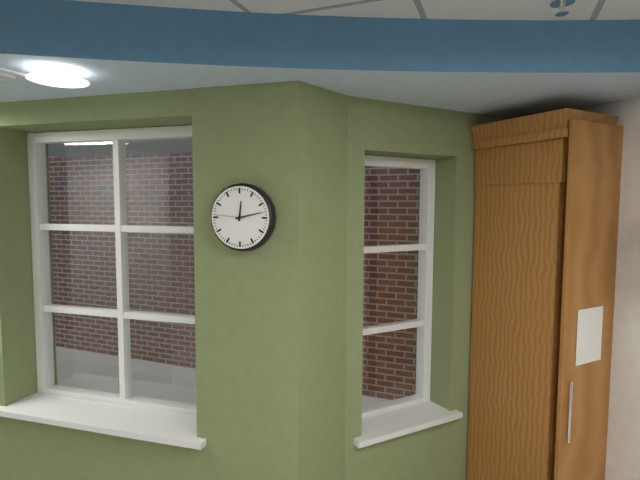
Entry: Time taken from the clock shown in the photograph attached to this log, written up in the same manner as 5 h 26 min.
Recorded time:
12 h 13 min
